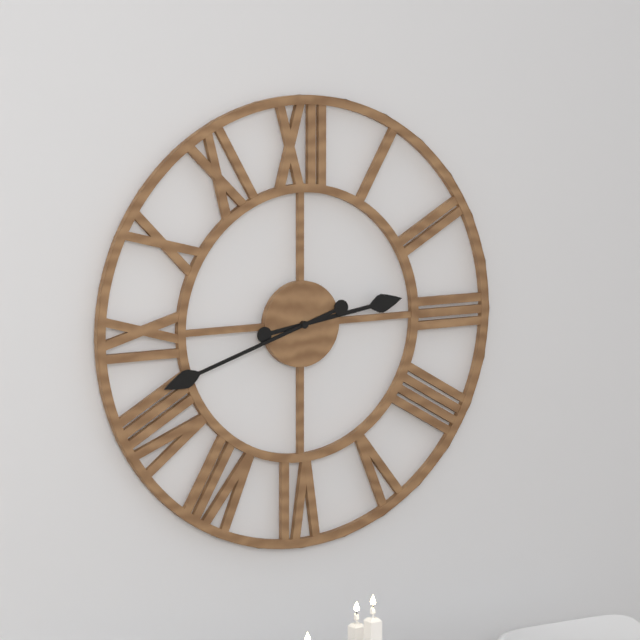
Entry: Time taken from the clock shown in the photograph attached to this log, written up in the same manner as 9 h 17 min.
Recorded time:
2 h 42 min
